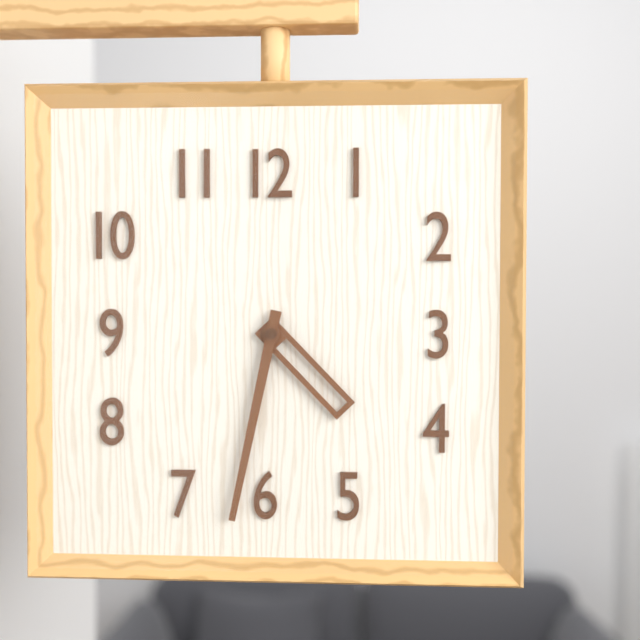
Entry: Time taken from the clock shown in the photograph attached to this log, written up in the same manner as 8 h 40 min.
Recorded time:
4 h 32 min
